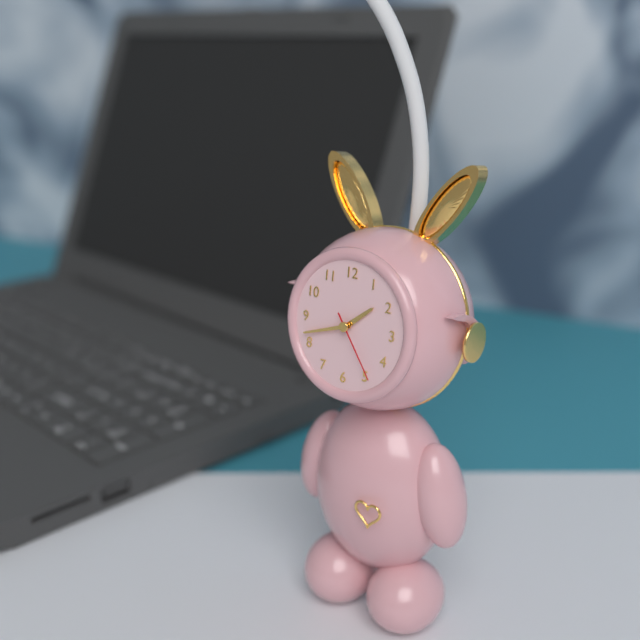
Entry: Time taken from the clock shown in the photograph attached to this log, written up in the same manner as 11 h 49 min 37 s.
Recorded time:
1 h 42 min 24 s
